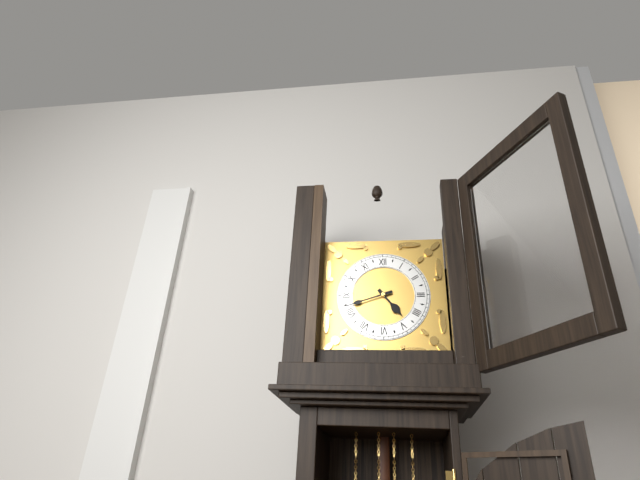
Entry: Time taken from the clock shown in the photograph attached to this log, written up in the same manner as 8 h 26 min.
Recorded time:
4 h 42 min
